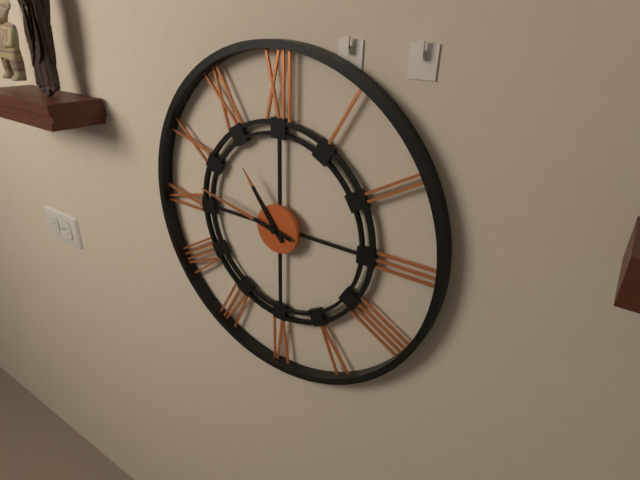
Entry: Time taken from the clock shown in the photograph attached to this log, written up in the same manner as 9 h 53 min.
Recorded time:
10 h 47 min
